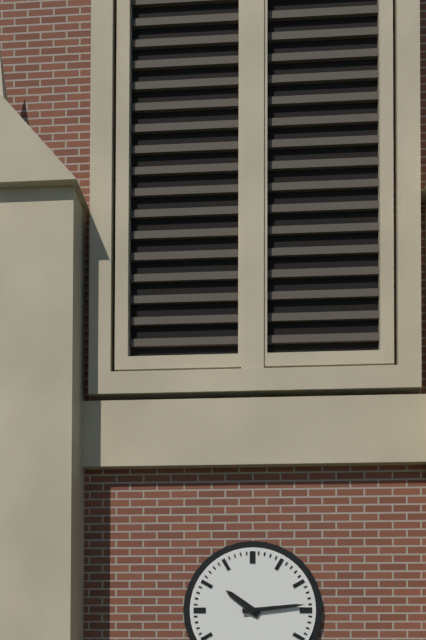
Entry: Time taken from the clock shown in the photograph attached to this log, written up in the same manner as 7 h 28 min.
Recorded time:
10 h 14 min
